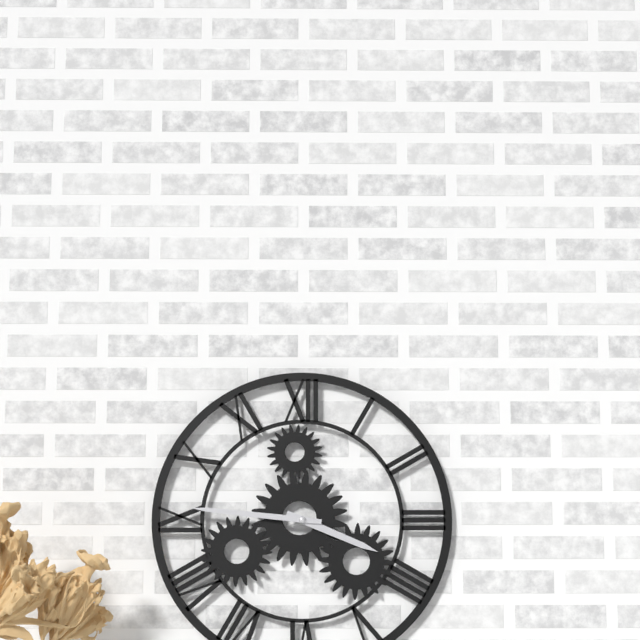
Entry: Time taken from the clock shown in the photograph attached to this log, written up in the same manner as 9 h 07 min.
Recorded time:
3 h 46 min
